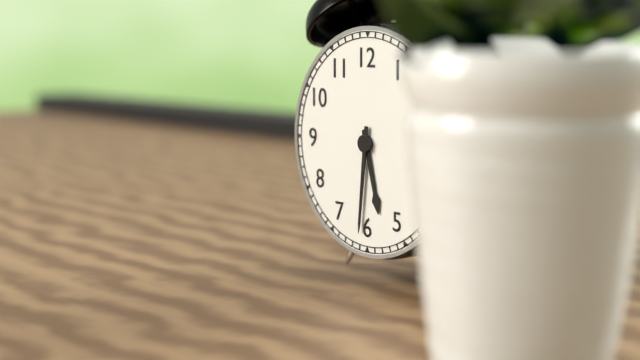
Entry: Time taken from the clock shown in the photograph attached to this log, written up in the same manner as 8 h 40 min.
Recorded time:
5 h 31 min
